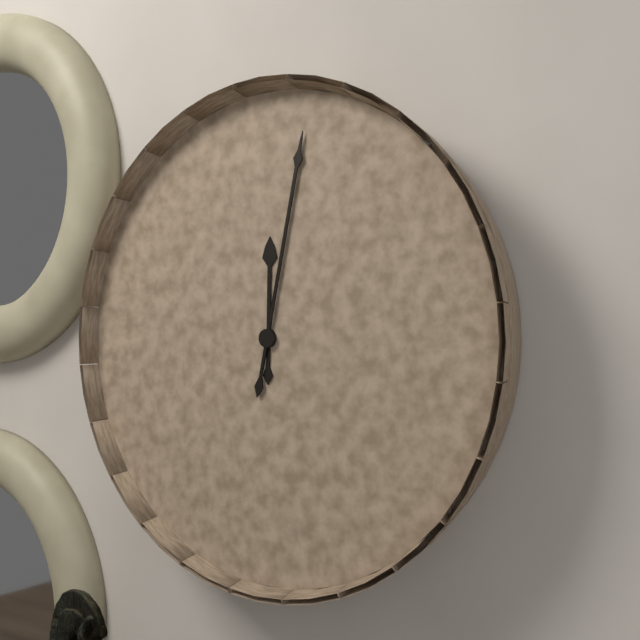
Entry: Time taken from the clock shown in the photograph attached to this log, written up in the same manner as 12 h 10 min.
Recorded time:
12 h 02 min
